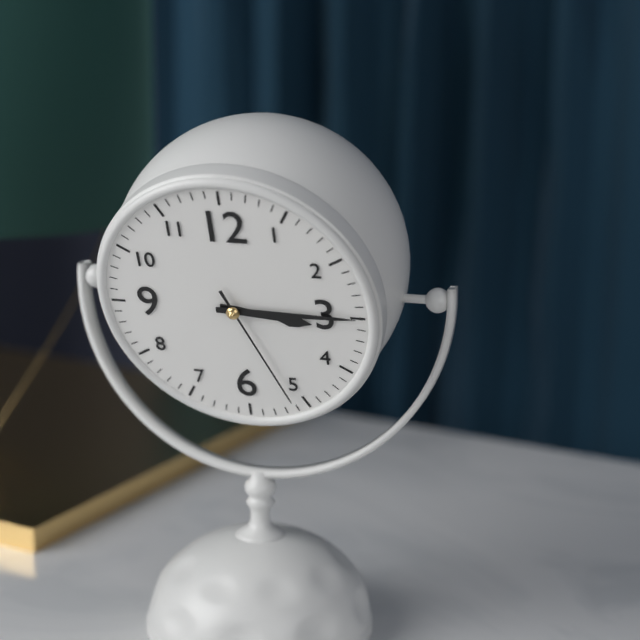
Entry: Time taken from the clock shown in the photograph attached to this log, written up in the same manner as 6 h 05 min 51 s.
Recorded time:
3 h 15 min 26 s
